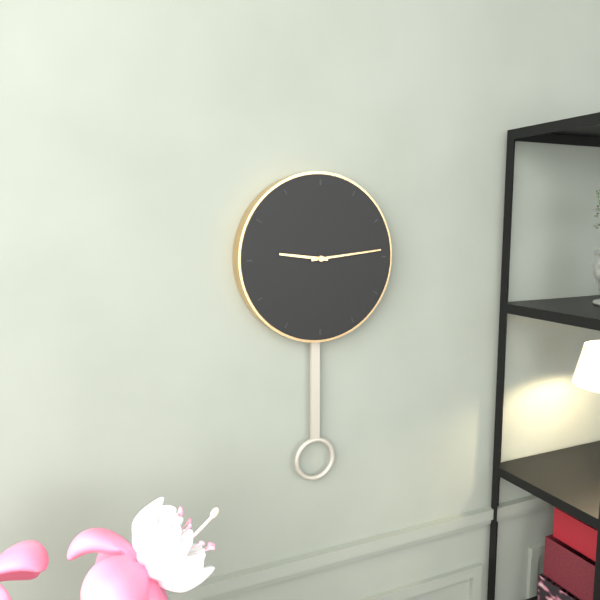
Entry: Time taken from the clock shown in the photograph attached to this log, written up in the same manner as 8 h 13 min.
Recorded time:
9 h 14 min
